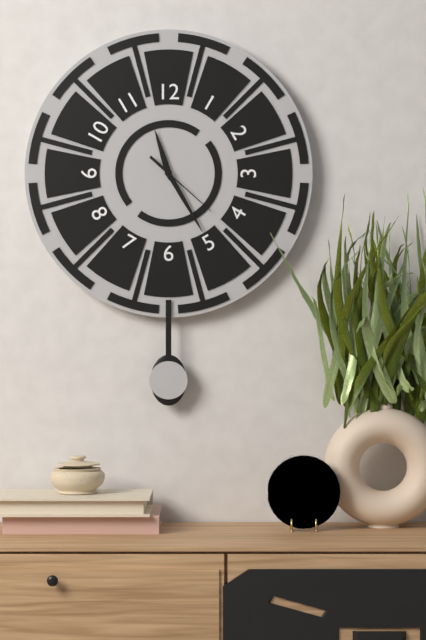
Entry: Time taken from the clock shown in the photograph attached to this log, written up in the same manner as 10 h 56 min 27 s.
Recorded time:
11 h 25 min 22 s
